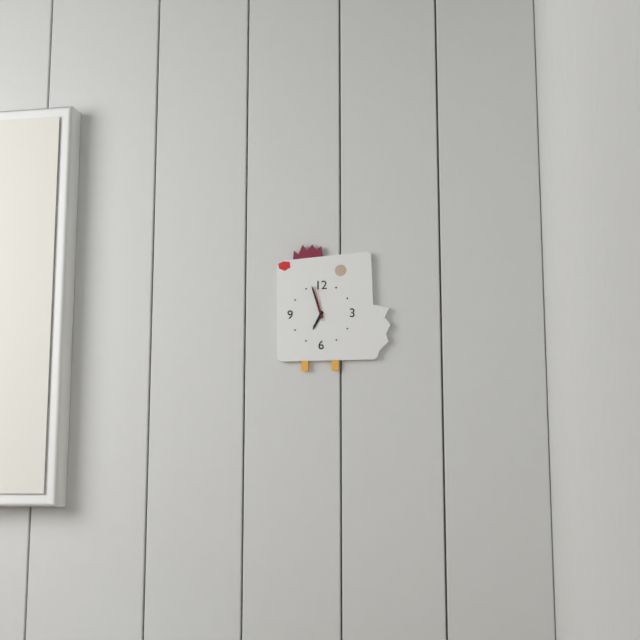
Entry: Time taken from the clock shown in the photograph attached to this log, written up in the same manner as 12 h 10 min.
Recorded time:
6 h 57 min
